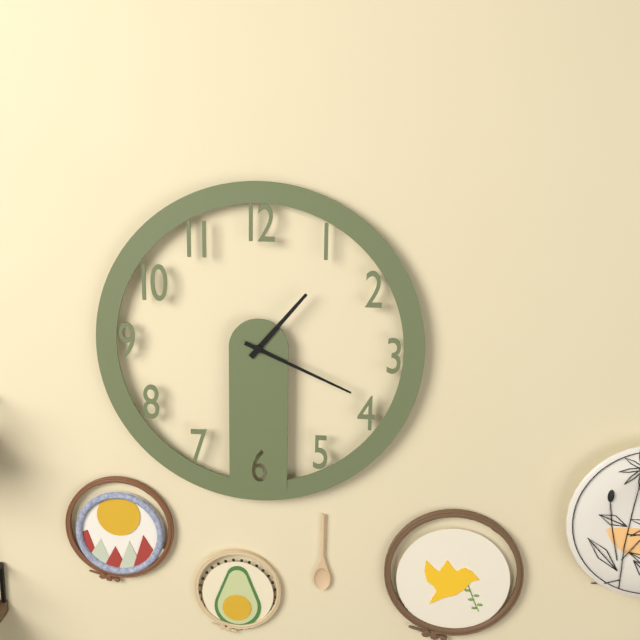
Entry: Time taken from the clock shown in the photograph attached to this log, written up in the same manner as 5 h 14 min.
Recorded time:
1 h 19 min
